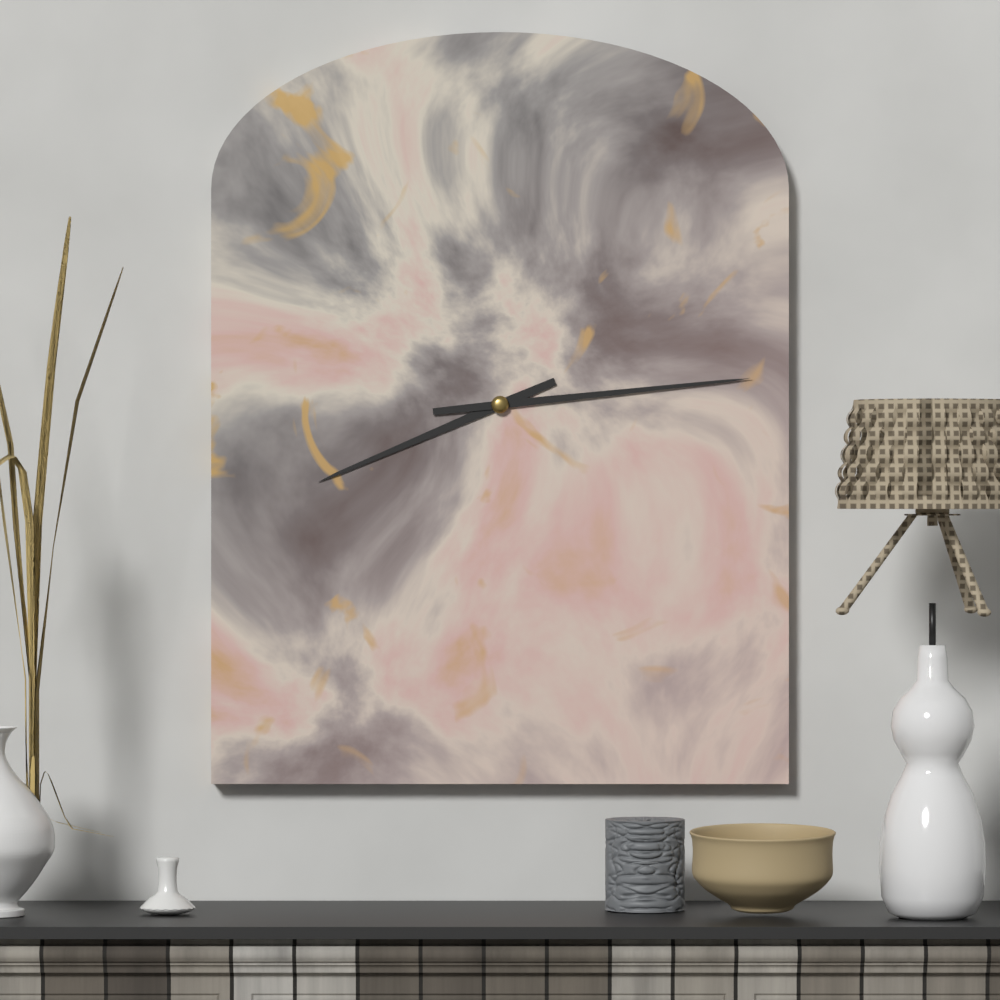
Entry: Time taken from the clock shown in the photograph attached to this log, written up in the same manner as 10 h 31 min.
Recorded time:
8 h 14 min
